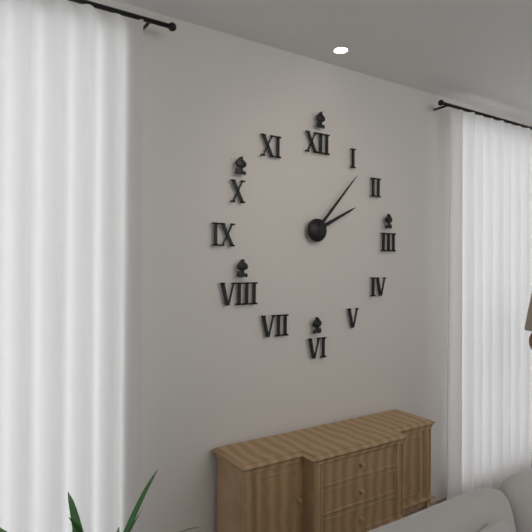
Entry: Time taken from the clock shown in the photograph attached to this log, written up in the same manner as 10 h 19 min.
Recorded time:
2 h 07 min
